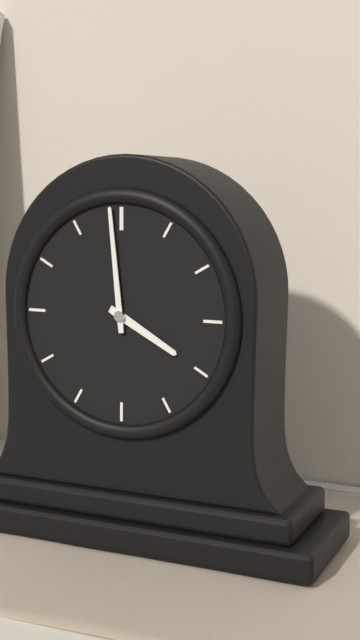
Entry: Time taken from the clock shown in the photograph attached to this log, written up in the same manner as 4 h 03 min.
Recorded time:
3 h 59 min
